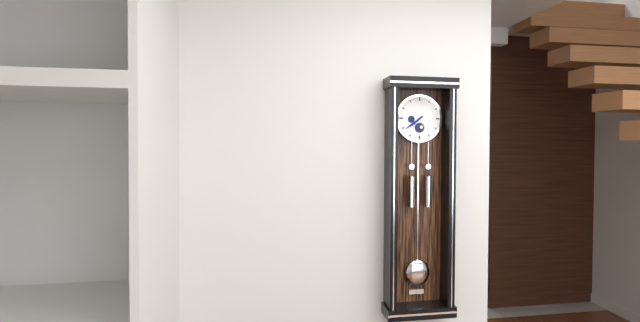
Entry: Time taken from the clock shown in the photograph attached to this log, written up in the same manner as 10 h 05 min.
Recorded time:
7 h 39 min
